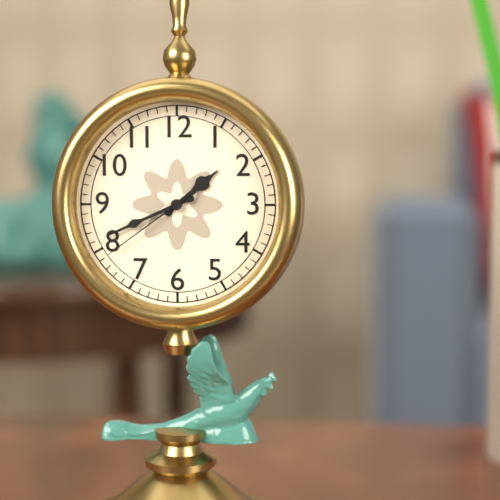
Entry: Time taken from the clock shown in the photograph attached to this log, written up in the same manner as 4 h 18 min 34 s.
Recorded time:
1 h 41 min 39 s
